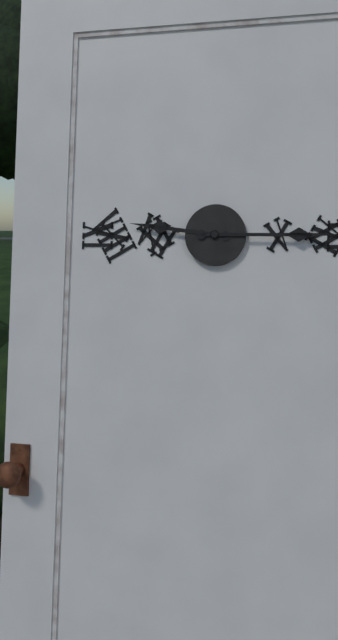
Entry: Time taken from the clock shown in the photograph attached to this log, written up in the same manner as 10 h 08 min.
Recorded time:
9 h 15 min
